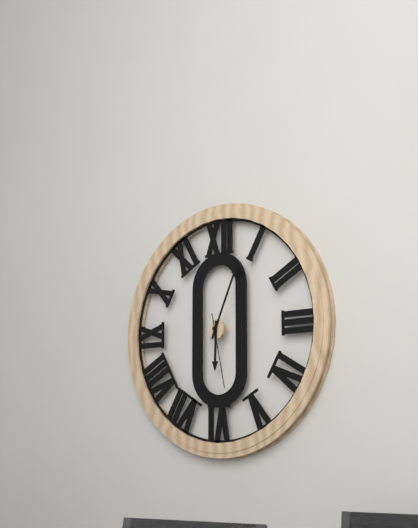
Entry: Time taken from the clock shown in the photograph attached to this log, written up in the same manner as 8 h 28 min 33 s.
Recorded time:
6 h 04 min 28 s
